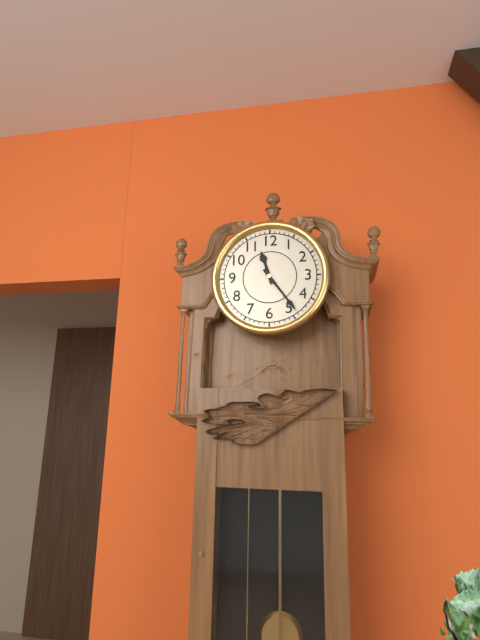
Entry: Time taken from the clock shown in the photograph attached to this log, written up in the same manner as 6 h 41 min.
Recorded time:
11 h 24 min
